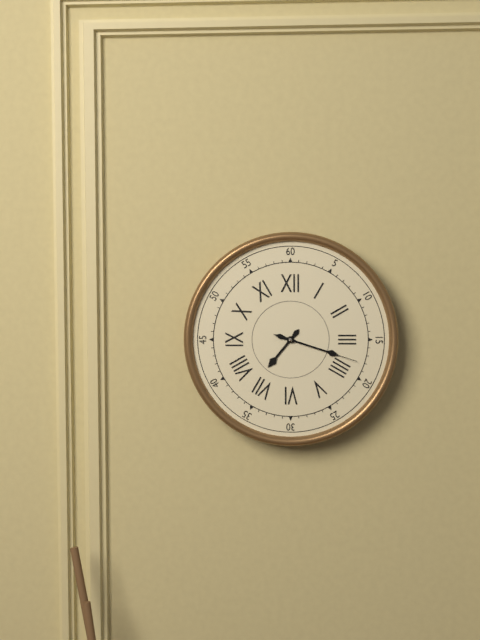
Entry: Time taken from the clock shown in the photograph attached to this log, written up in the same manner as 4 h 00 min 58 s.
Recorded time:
7 h 18 min 18 s
